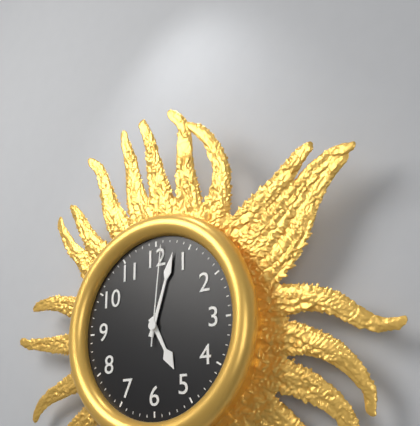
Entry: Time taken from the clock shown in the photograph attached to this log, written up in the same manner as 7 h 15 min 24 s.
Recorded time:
5 h 03 min 01 s
